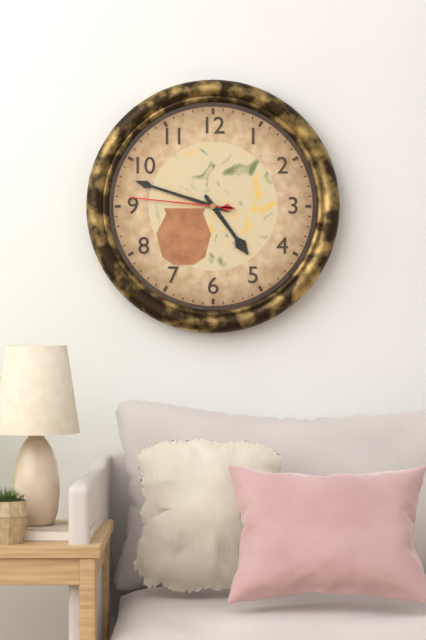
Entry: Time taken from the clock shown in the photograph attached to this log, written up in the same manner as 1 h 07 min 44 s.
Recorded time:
4 h 48 min 46 s
